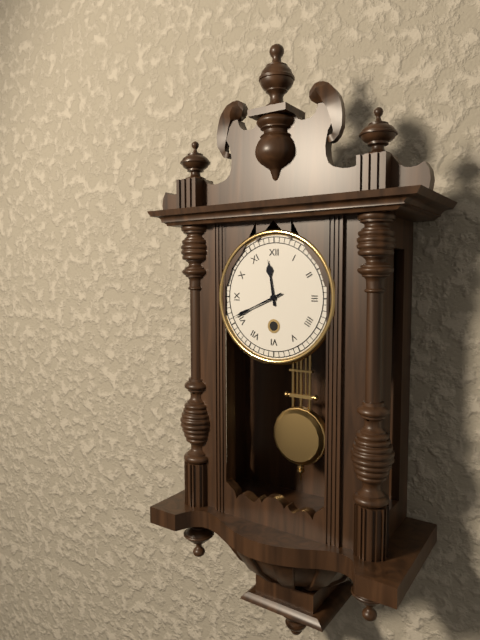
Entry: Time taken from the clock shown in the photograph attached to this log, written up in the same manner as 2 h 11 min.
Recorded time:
11 h 41 min
